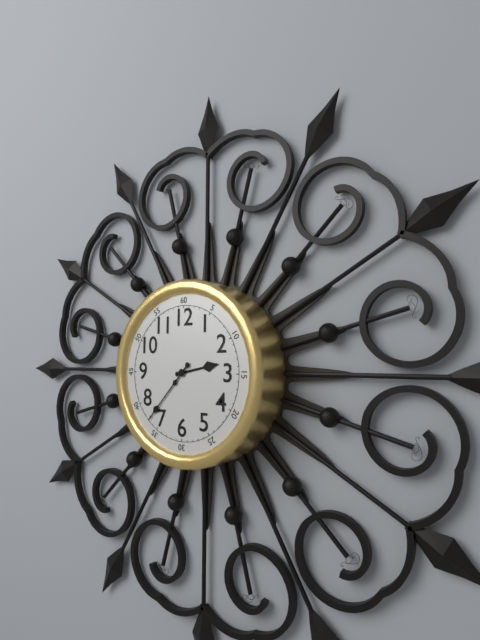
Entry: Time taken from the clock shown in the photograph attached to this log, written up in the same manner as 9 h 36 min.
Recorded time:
2 h 37 min
